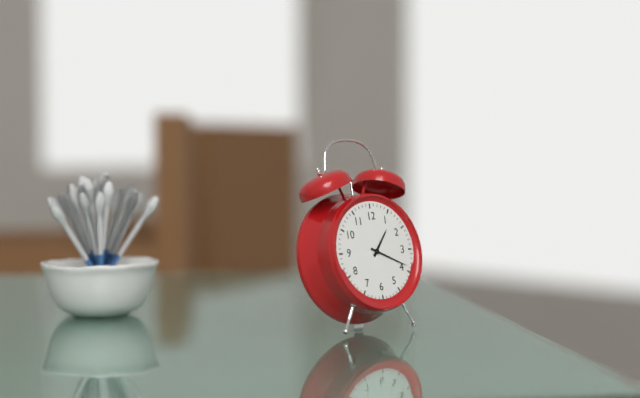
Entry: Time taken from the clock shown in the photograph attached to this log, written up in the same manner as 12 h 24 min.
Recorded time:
1 h 19 min
